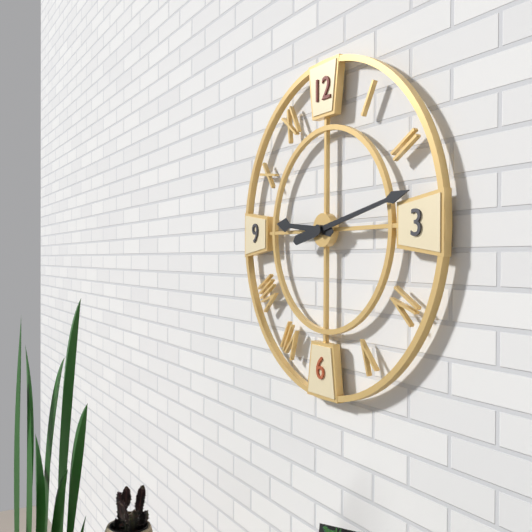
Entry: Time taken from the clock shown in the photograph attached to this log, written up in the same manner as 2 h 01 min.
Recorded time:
9 h 13 min
